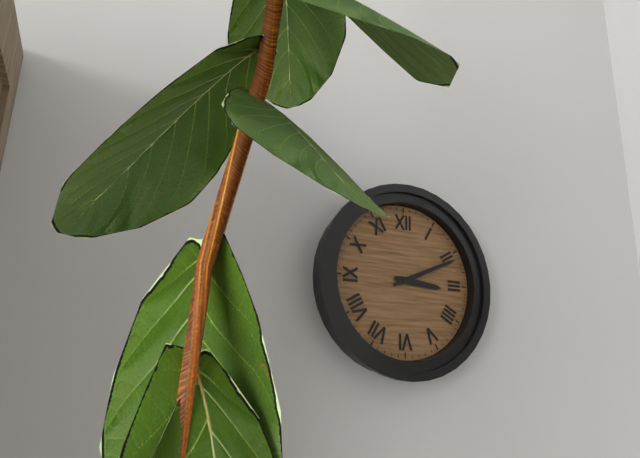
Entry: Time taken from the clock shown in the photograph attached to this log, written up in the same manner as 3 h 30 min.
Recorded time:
3 h 11 min
